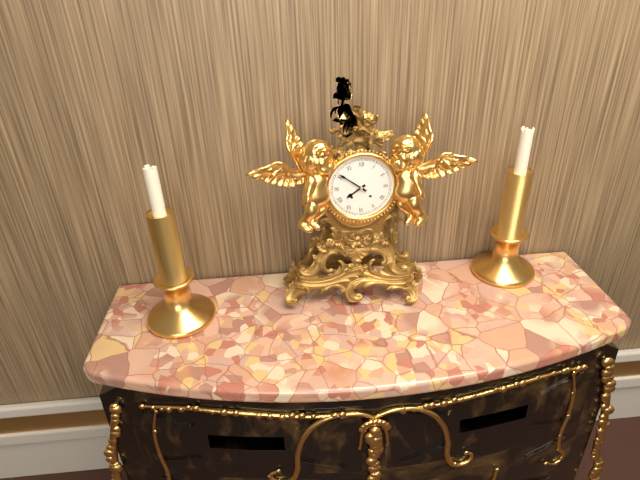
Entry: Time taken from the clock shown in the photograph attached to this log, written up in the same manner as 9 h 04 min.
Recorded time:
7 h 51 min
